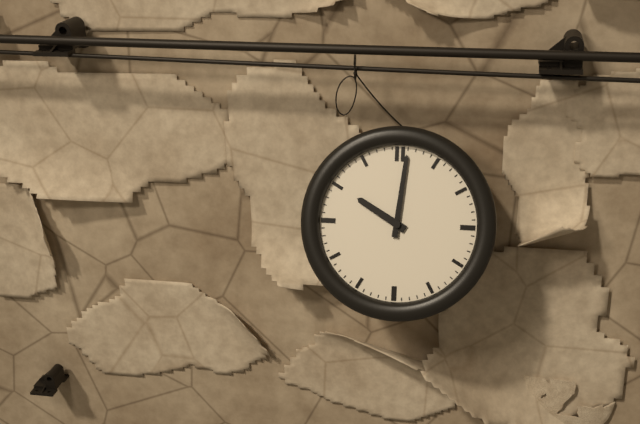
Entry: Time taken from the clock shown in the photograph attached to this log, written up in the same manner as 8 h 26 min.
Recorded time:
10 h 01 min
